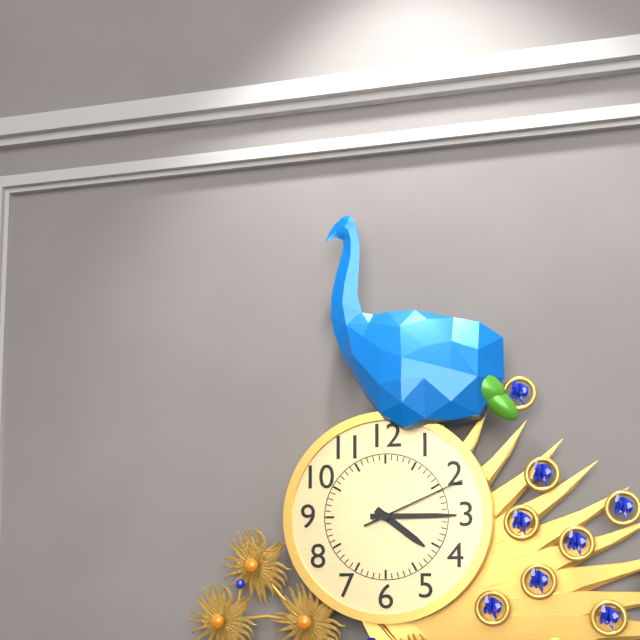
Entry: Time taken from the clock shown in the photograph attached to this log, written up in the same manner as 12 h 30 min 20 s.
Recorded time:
4 h 15 min 11 s
